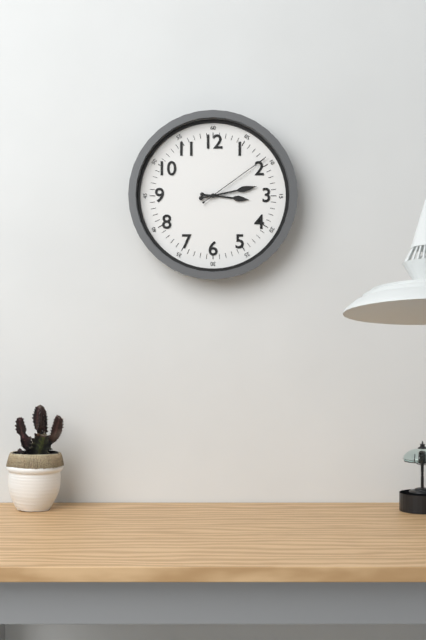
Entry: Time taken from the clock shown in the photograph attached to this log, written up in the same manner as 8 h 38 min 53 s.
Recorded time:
3 h 13 min 09 s
